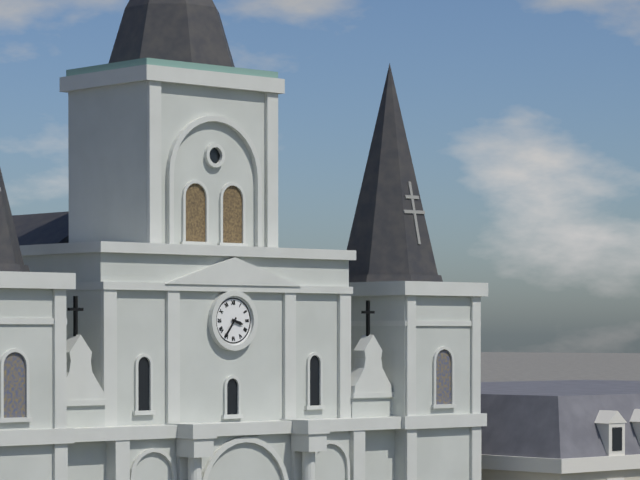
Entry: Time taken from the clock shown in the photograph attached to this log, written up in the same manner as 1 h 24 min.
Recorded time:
3 h 36 min
